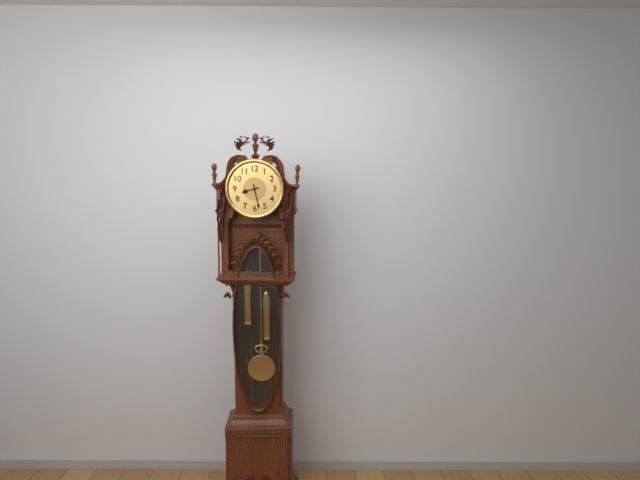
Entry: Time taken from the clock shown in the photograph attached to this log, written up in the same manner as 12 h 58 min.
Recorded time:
8 h 28 min
